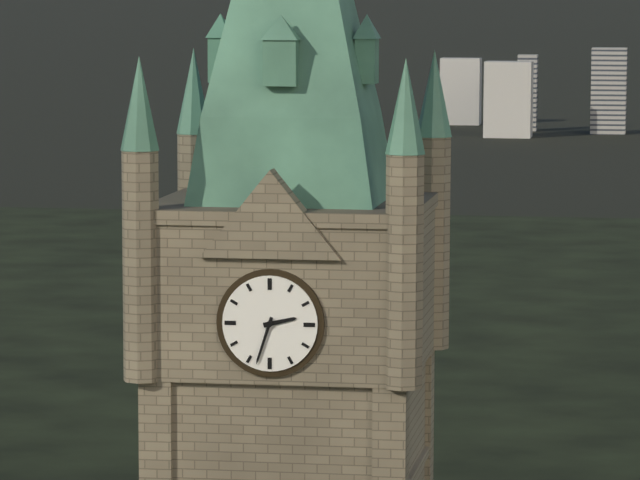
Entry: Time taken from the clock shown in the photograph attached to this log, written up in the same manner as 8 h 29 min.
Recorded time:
2 h 33 min
